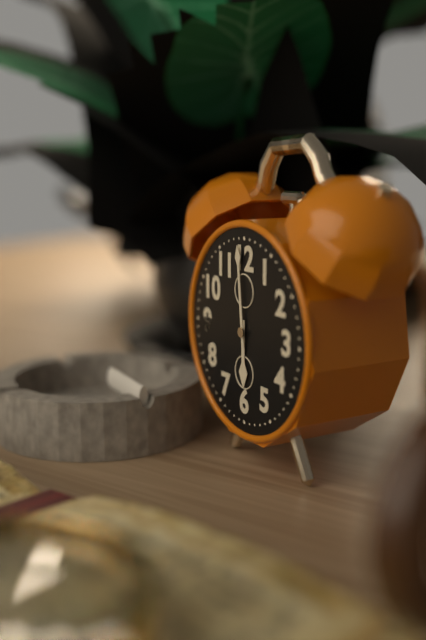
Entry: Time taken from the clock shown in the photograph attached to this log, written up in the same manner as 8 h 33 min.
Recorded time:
5 h 59 min
